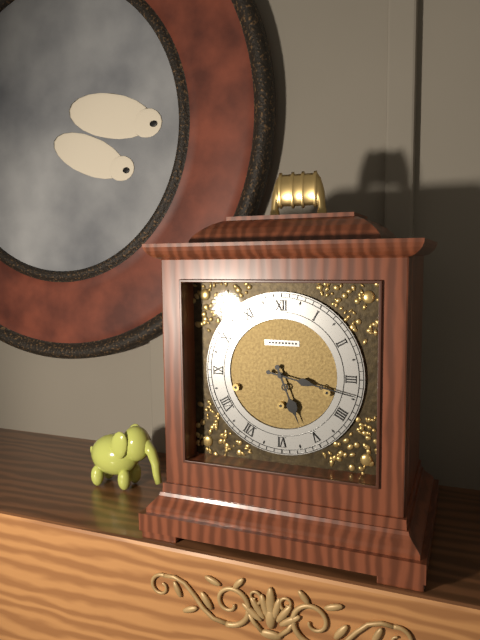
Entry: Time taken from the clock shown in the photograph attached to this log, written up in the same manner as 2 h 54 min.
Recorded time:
5 h 17 min
